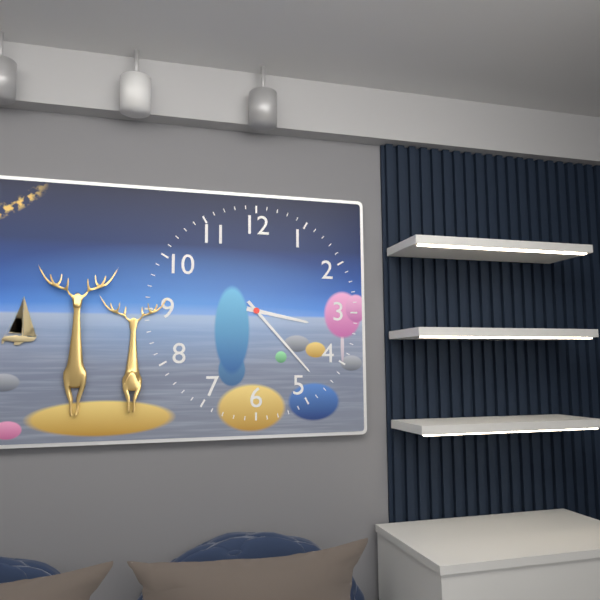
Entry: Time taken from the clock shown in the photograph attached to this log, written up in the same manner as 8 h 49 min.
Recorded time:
3 h 23 min
